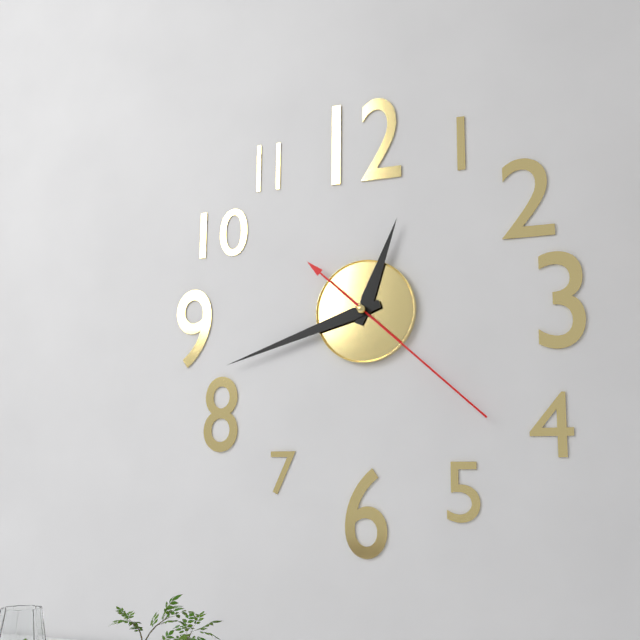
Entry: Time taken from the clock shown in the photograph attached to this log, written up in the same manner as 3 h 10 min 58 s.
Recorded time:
12 h 42 min 22 s
